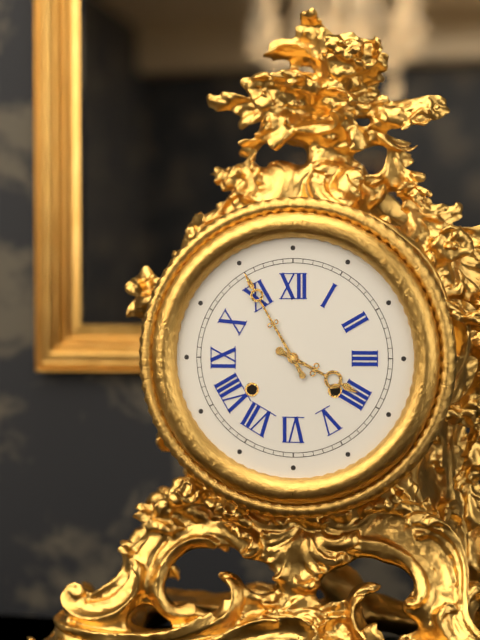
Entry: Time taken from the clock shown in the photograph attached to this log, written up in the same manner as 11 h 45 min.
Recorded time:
3 h 55 min
